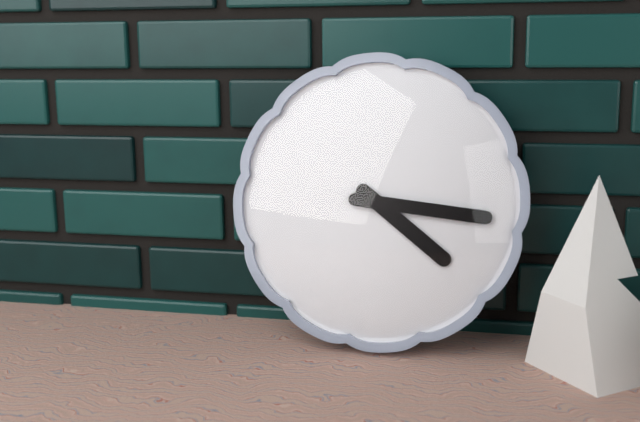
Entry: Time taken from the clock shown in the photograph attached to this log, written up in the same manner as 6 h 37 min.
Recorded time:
4 h 16 min
